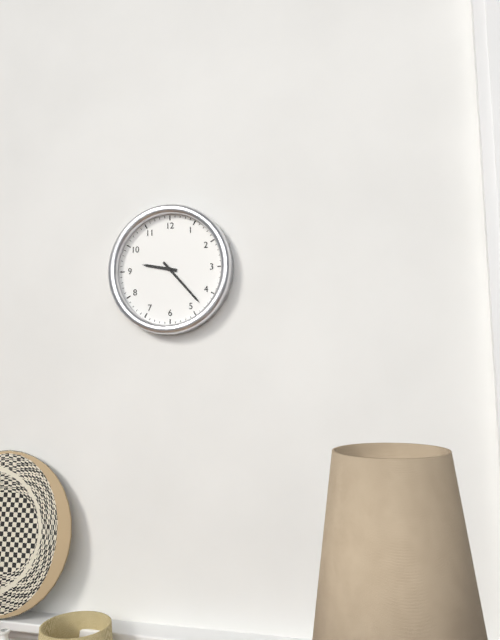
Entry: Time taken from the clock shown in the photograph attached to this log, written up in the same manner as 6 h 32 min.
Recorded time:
9 h 23 min
